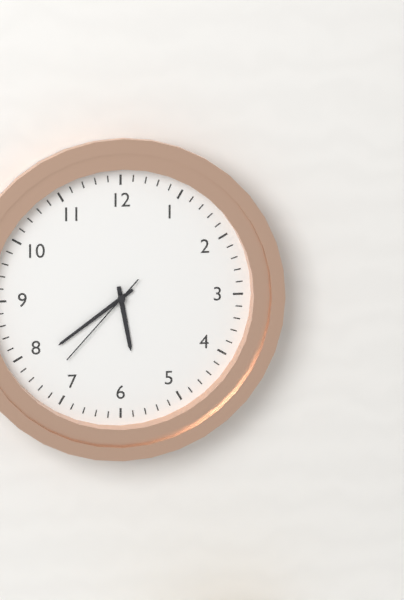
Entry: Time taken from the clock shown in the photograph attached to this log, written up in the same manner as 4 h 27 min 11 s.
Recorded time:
5 h 39 min 37 s
